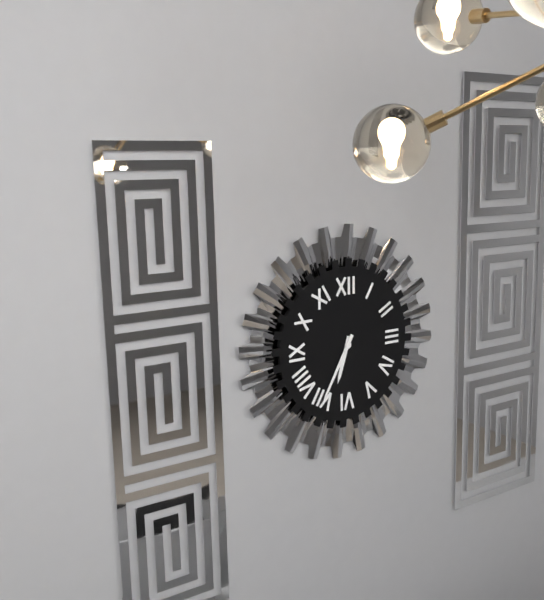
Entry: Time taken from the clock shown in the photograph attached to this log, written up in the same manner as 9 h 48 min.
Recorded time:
6 h 35 min
